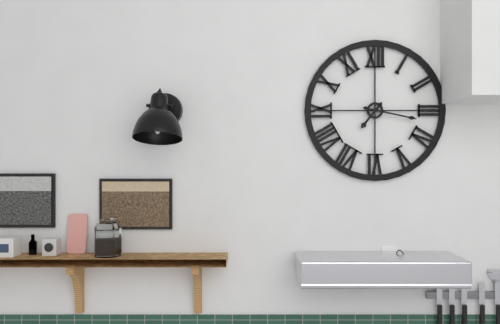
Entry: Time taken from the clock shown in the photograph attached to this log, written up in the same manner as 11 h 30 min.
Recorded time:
7 h 17 min
